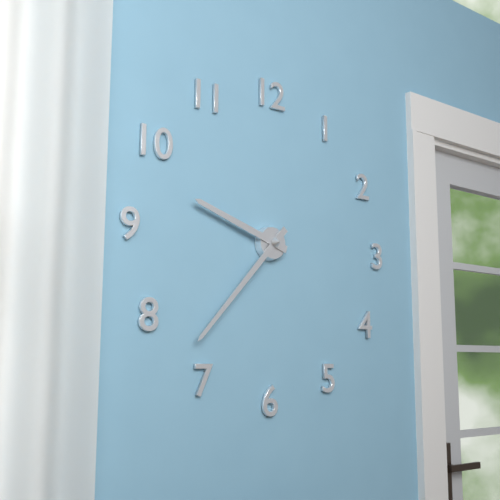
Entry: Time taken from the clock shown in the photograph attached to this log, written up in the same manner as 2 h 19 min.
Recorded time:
9 h 37 min
